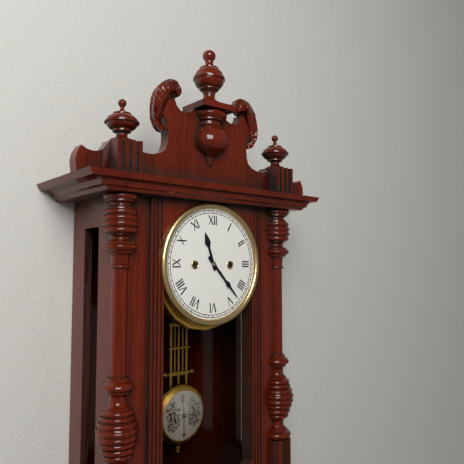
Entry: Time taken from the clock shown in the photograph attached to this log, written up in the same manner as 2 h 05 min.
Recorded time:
11 h 23 min
